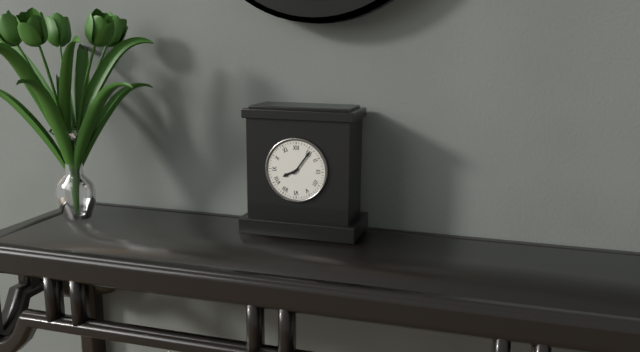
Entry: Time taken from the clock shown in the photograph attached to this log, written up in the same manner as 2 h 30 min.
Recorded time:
8 h 06 min
